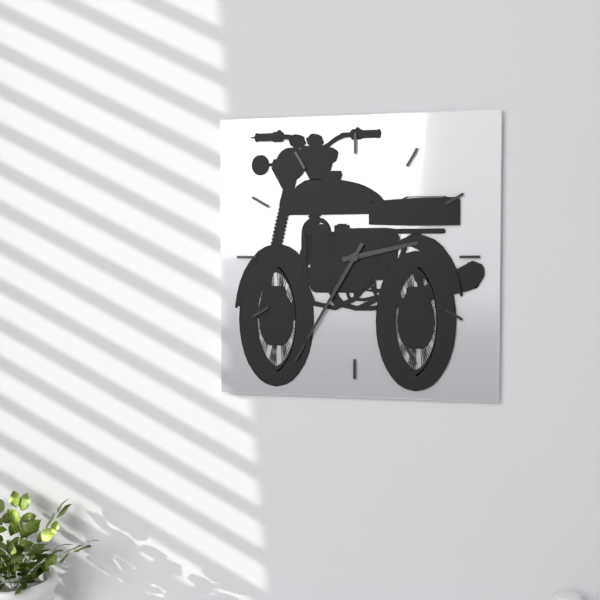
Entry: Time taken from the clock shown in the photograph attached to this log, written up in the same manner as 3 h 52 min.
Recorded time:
2 h 35 min
